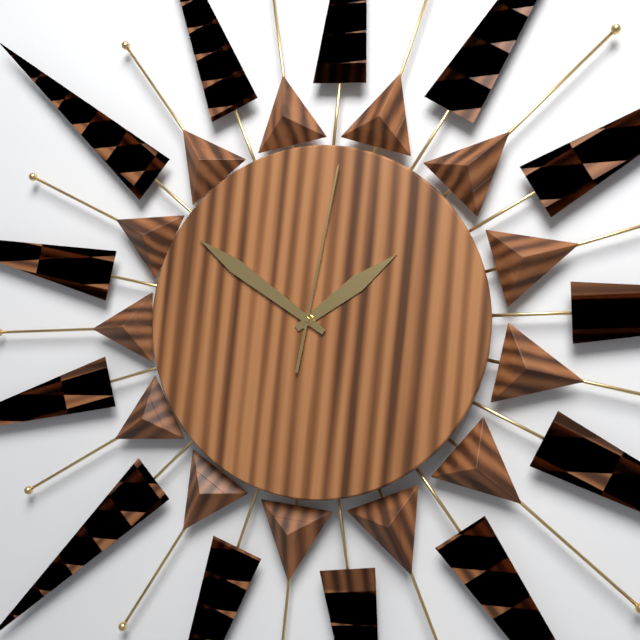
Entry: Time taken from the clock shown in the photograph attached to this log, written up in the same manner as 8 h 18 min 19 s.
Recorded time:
1 h 51 min 02 s
